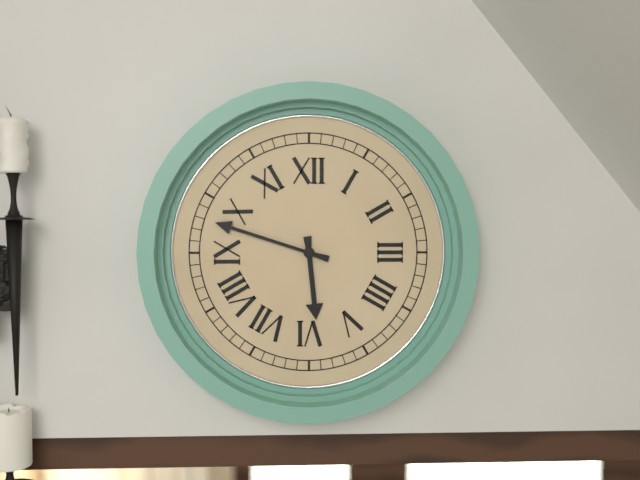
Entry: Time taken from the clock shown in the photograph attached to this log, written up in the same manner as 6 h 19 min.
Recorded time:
5 h 48 min
